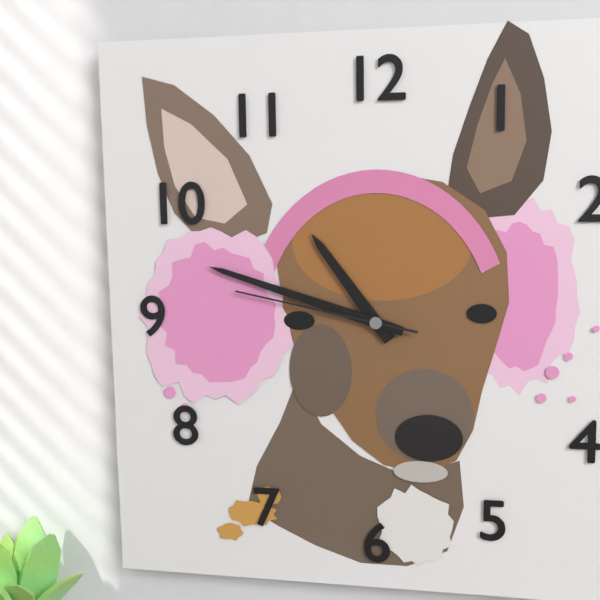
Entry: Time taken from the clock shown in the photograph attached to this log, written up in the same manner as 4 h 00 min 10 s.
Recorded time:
10 h 48 min 47 s
